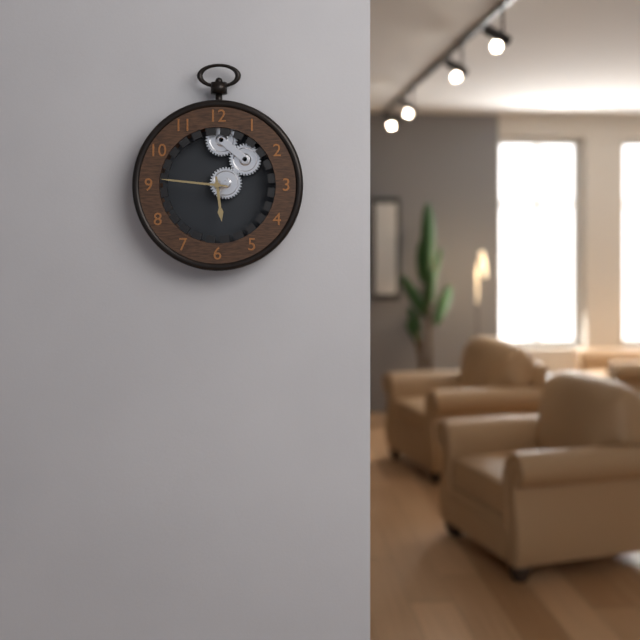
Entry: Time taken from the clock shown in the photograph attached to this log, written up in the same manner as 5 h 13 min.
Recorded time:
5 h 46 min
